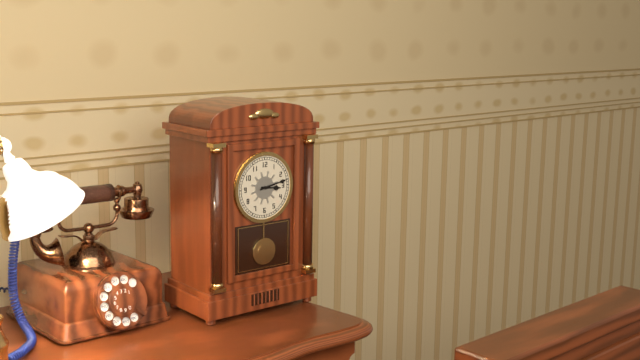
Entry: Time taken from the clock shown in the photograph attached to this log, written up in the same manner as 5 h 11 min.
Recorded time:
3 h 13 min
